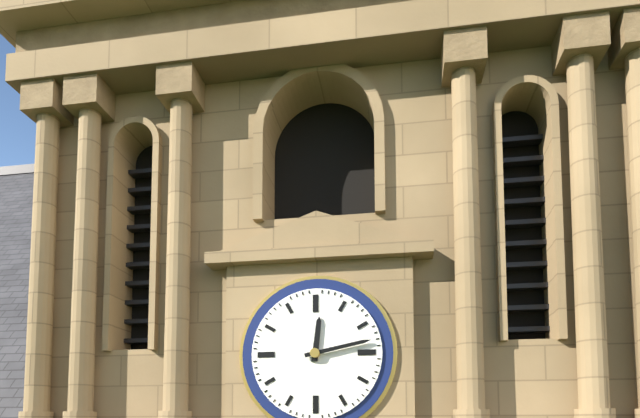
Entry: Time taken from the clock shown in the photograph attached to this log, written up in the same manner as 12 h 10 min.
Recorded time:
12 h 13 min
